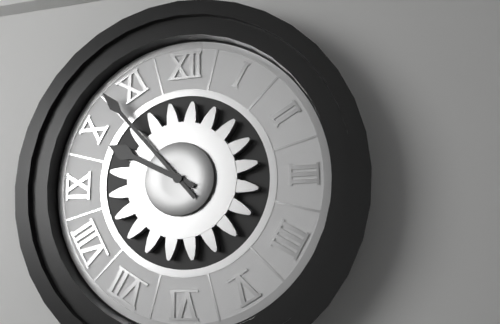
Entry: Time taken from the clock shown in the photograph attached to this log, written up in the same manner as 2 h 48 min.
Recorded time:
9 h 53 min
